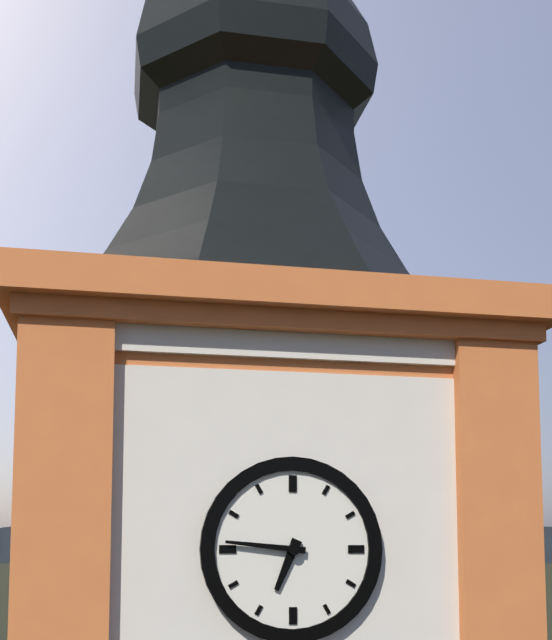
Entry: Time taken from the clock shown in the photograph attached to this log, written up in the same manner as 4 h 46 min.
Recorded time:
6 h 46 min
